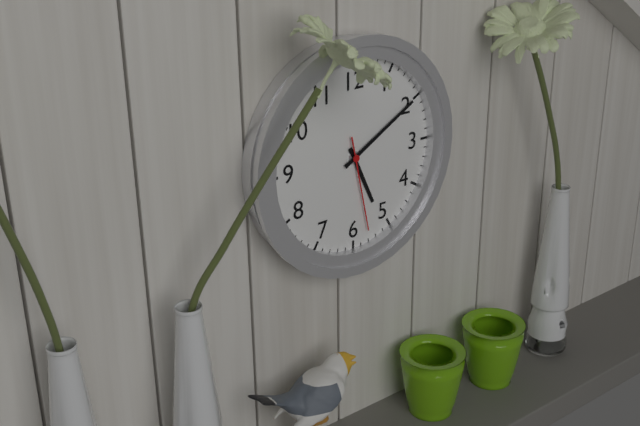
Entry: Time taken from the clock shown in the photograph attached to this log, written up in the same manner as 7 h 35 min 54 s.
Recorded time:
5 h 10 min 28 s
